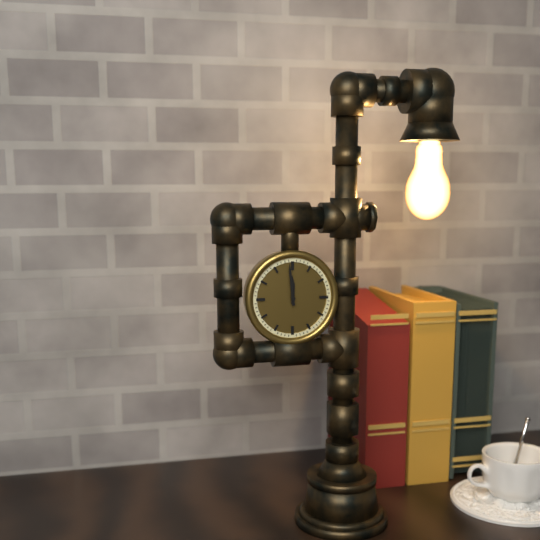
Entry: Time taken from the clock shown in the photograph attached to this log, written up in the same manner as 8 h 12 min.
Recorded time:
11 h 59 min
